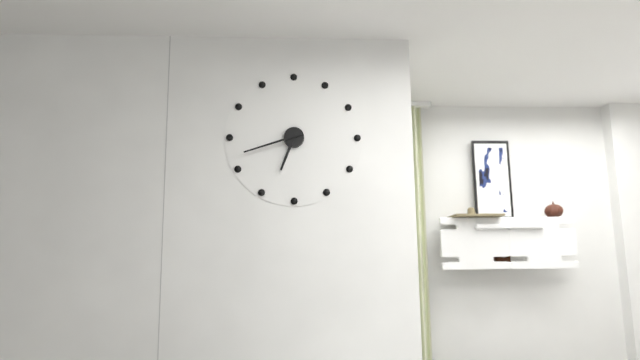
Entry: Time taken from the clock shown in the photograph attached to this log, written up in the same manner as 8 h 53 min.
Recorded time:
6 h 42 min
